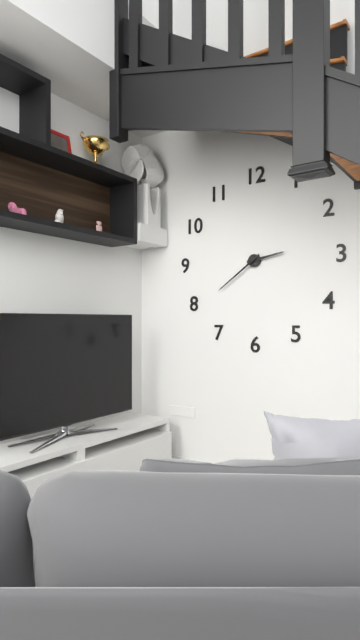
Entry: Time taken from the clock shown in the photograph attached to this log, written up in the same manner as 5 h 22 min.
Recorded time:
2 h 39 min
